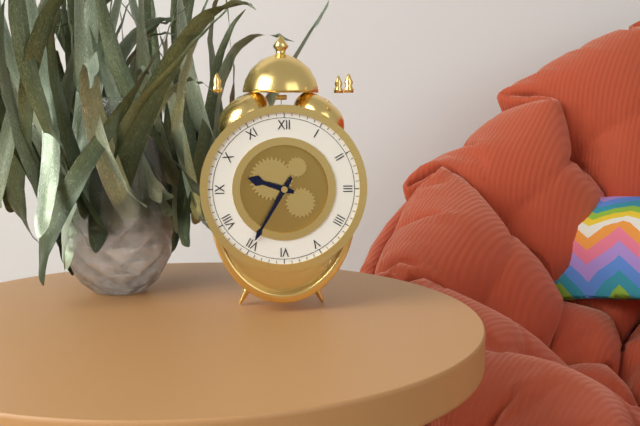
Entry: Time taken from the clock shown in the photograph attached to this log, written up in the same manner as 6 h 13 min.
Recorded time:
9 h 35 min
